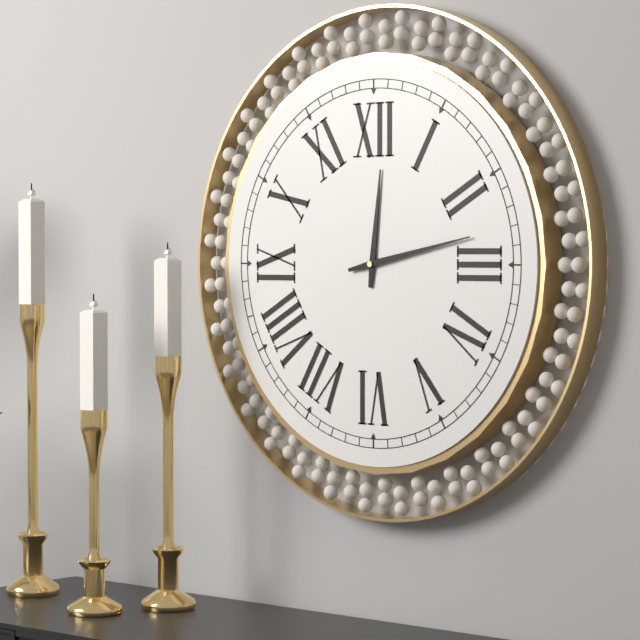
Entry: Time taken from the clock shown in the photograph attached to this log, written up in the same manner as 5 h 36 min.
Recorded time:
12 h 13 min
